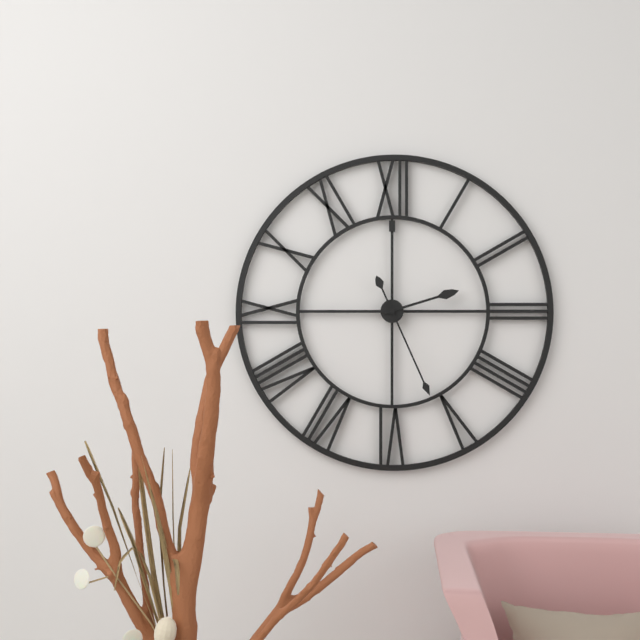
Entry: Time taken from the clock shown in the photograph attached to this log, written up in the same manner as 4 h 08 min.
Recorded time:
2 h 26 min
